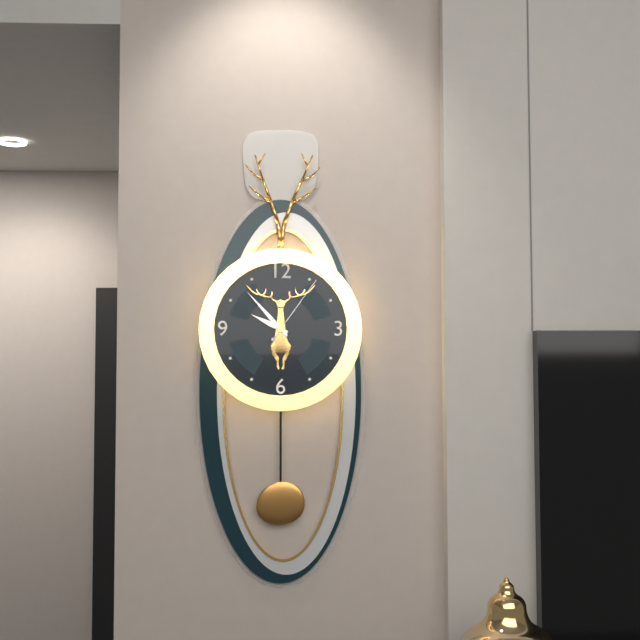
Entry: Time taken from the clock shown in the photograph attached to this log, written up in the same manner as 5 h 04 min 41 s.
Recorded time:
9 h 53 min 06 s
